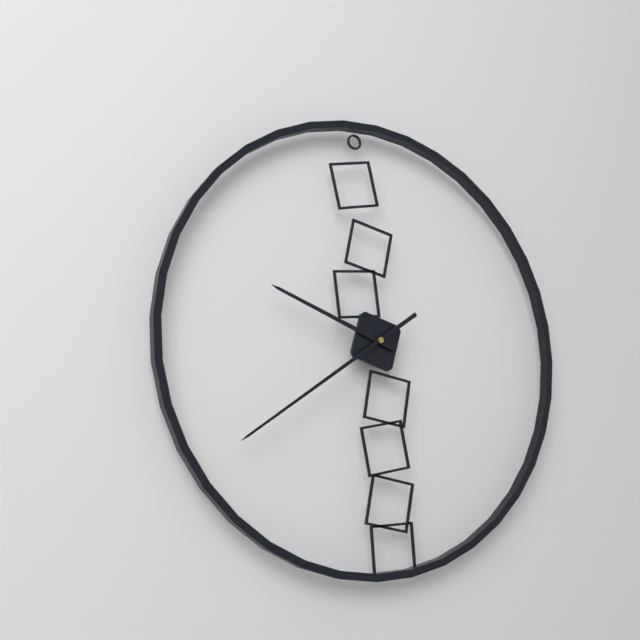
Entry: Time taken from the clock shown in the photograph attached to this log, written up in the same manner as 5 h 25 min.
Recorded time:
9 h 39 min
